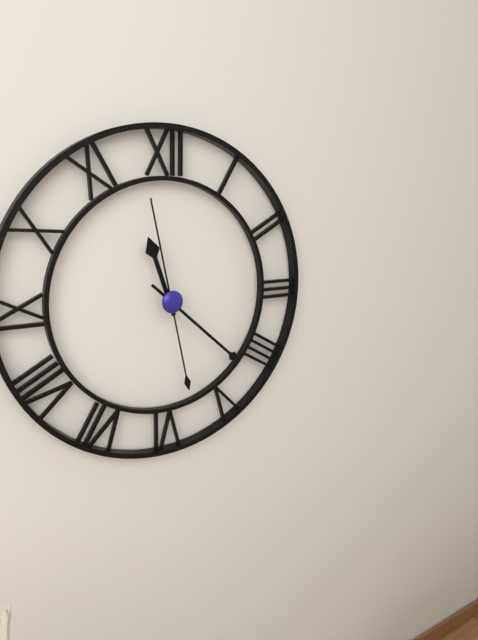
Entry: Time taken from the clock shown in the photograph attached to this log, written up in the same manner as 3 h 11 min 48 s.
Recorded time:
11 h 22 min 58 s
